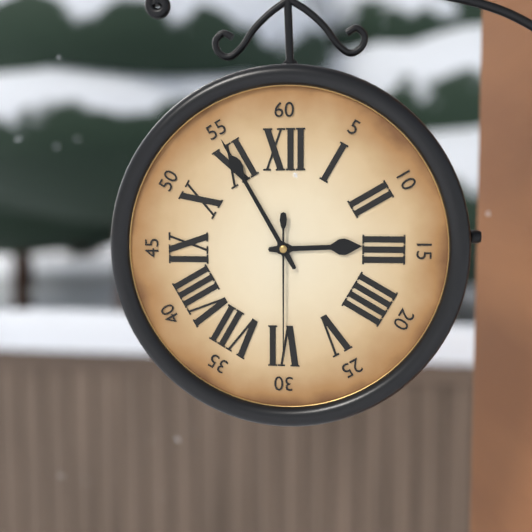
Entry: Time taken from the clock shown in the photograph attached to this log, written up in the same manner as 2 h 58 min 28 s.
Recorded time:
2 h 55 min 30 s
